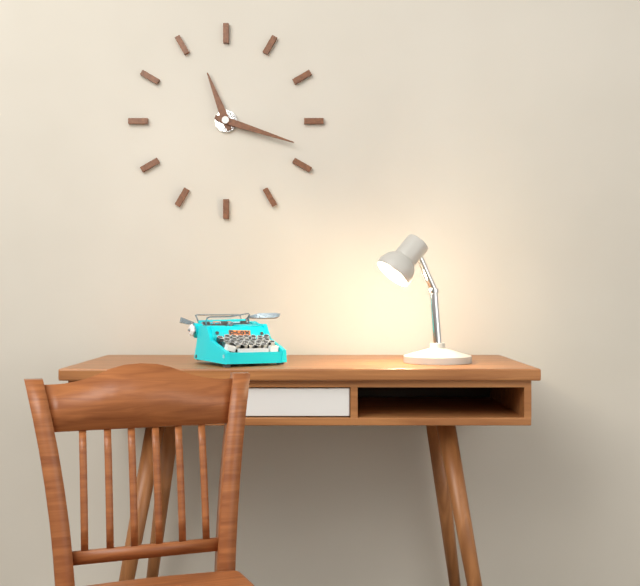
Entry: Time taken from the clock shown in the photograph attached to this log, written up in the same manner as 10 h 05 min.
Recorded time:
11 h 18 min
